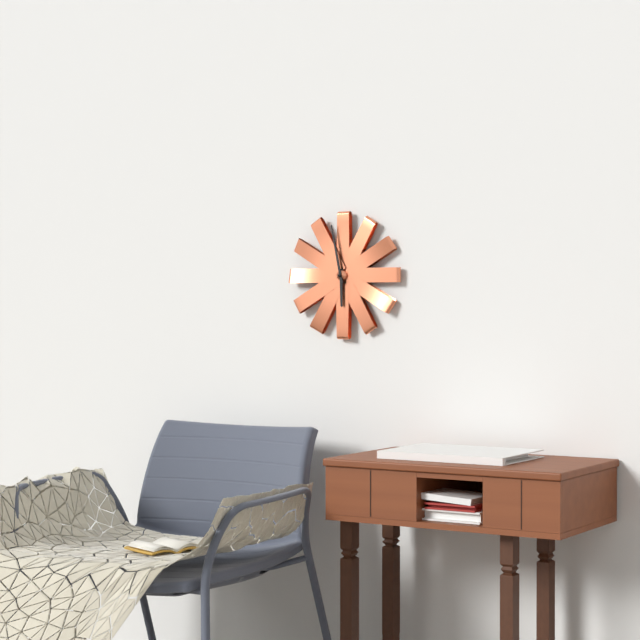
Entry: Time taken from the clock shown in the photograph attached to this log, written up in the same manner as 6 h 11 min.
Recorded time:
5 h 58 min
